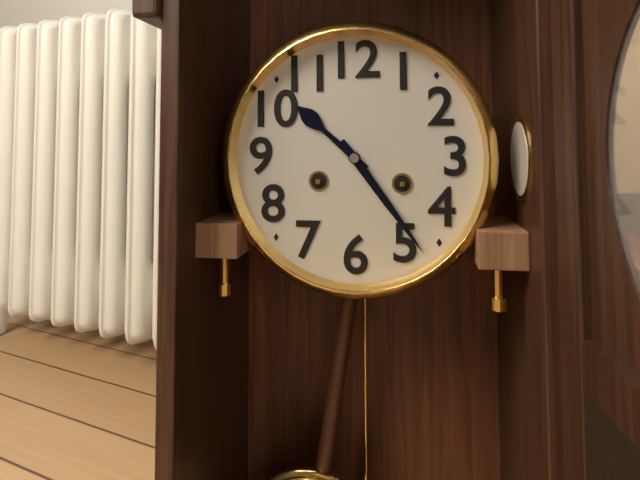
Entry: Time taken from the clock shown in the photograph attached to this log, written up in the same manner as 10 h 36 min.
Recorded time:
10 h 24 min
